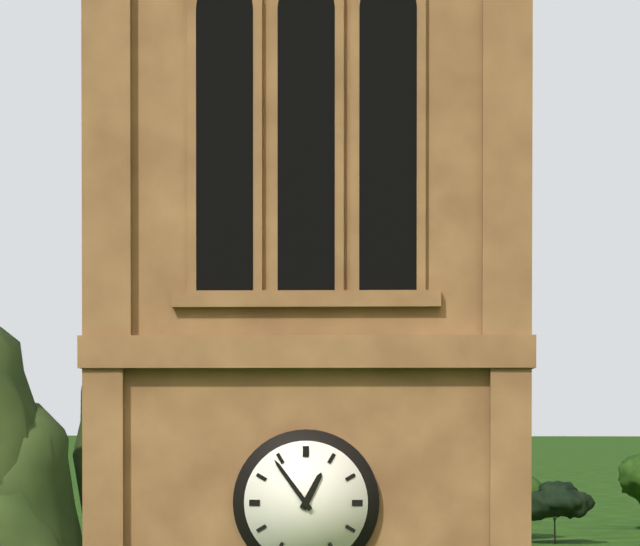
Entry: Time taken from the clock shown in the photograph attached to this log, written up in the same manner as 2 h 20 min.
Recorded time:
12 h 54 min
